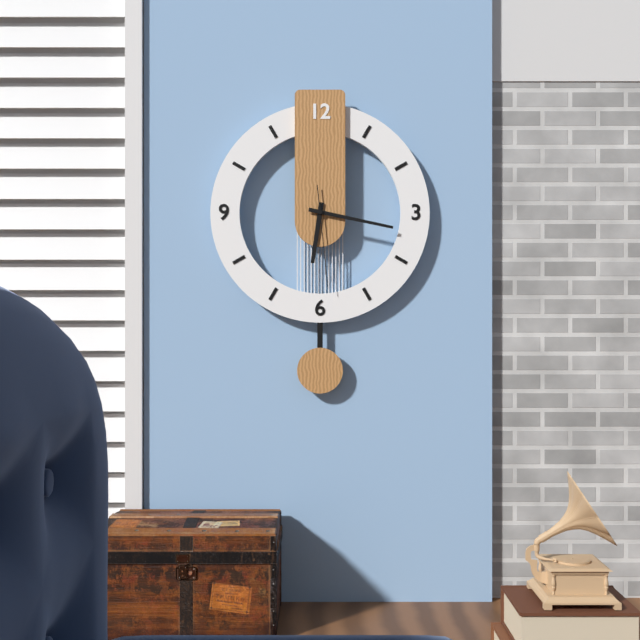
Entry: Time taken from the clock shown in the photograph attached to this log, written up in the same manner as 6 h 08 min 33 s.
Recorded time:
6 h 17 min 29 s
